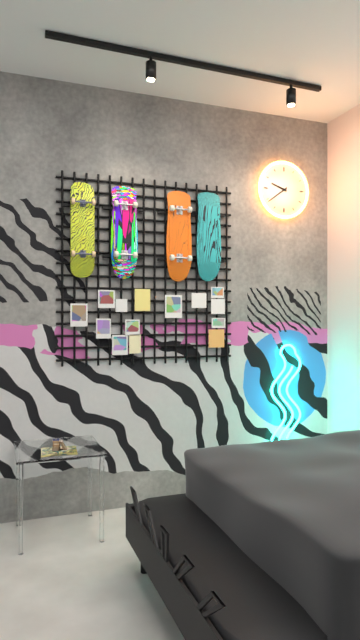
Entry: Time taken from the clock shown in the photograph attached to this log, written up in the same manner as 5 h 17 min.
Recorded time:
9 h 39 min
